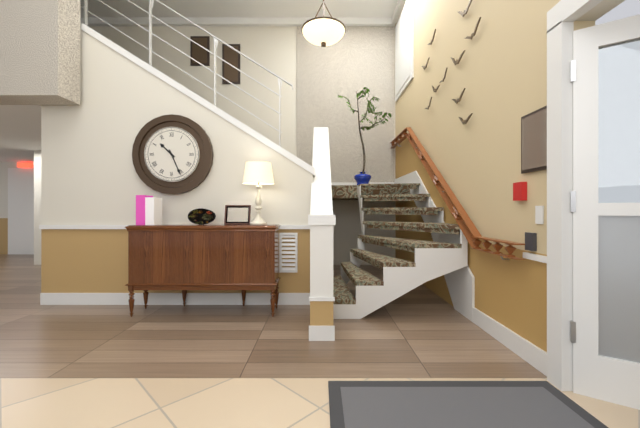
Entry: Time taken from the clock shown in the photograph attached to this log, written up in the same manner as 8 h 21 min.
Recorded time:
10 h 26 min
